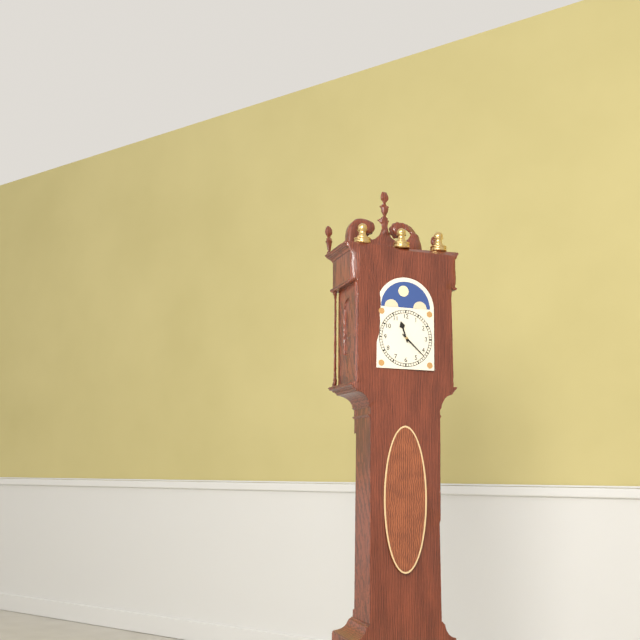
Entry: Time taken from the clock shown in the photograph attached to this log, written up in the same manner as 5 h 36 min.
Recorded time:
11 h 22 min
